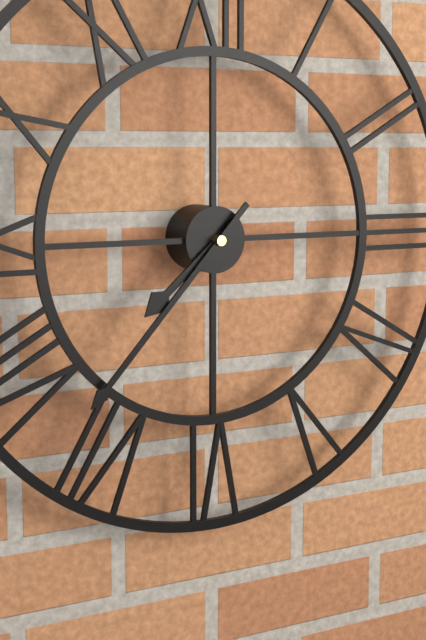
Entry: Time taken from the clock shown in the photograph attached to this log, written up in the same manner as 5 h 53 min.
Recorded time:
7 h 37 min
